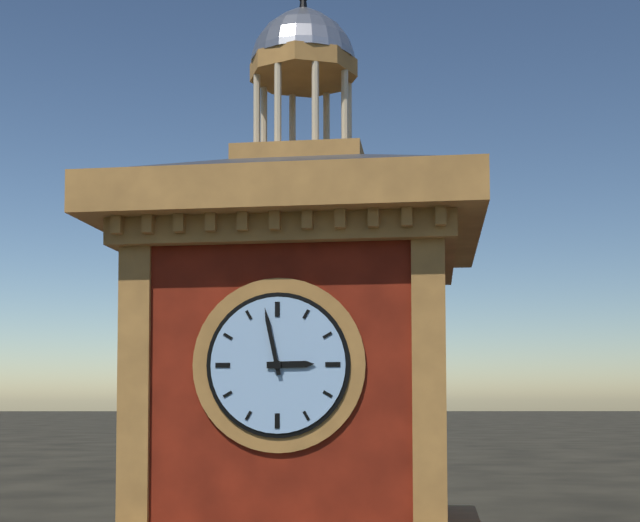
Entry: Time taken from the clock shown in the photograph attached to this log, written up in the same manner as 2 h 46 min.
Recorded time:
2 h 58 min
